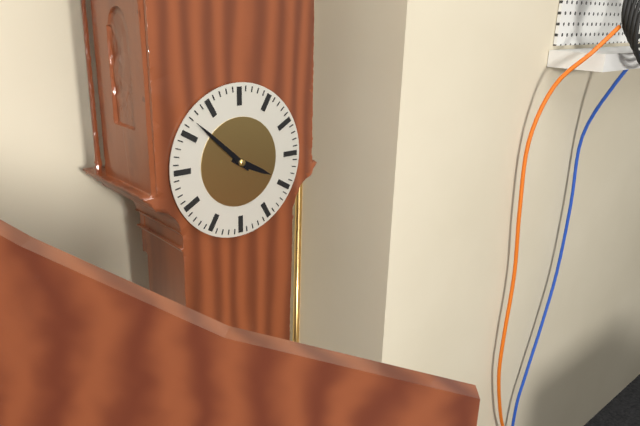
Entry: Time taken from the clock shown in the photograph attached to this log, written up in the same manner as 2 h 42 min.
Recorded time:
3 h 52 min
